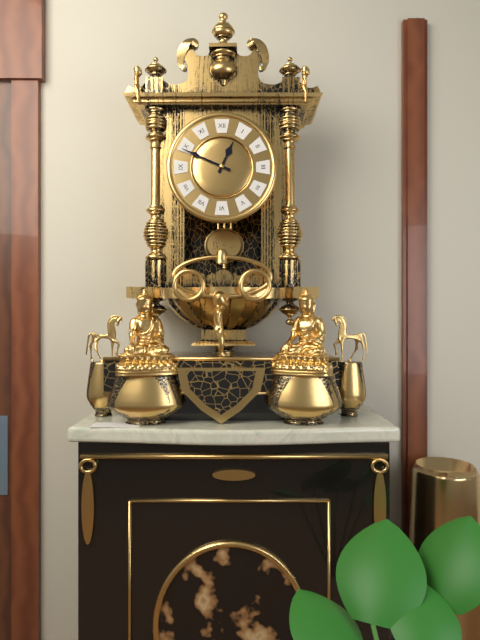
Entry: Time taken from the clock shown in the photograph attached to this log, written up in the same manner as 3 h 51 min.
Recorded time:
12 h 49 min
